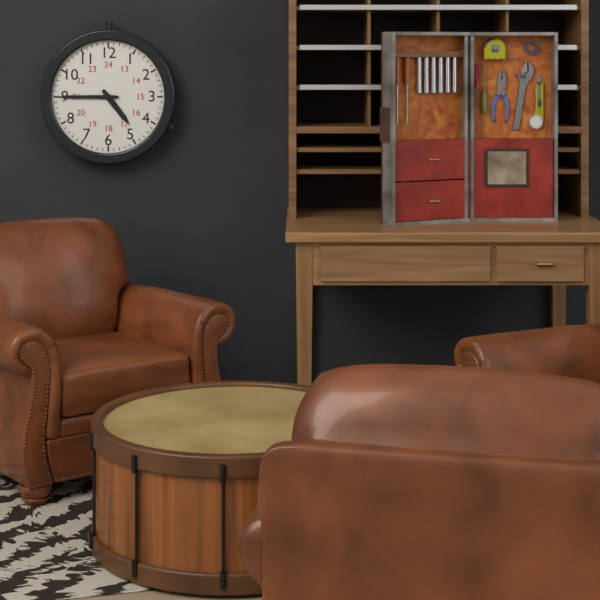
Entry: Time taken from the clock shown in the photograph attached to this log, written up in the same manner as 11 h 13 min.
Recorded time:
4 h 45 min
